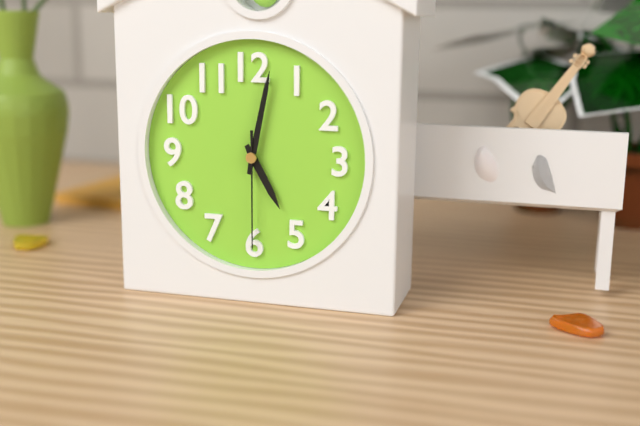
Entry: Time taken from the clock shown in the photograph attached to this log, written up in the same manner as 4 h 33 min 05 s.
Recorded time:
5 h 02 min 30 s
